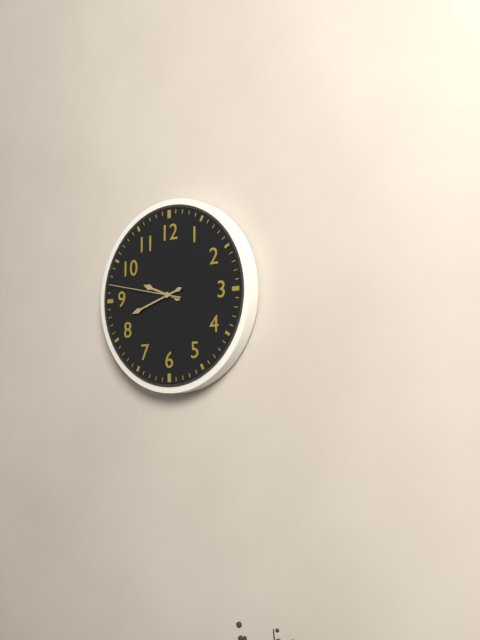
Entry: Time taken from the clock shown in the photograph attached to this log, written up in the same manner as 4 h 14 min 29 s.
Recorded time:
9 h 42 min 47 s
